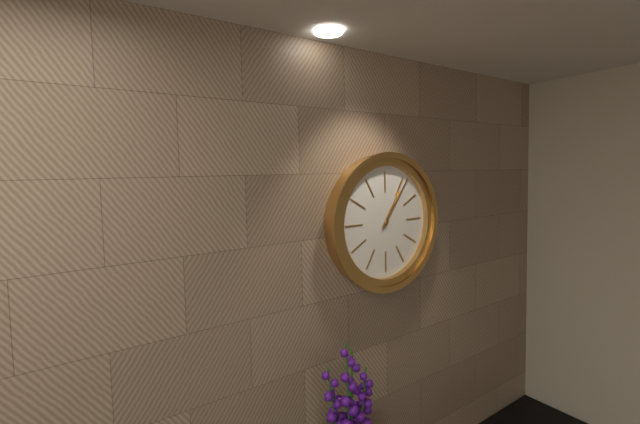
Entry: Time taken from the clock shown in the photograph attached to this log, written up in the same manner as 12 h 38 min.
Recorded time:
1 h 06 min
